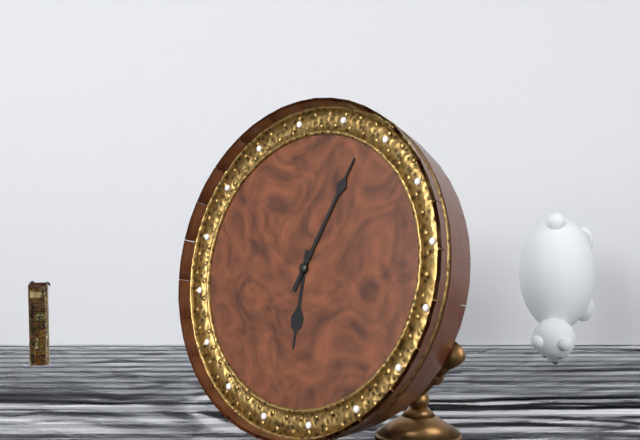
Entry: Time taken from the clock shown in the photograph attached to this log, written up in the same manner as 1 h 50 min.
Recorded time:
6 h 04 min
